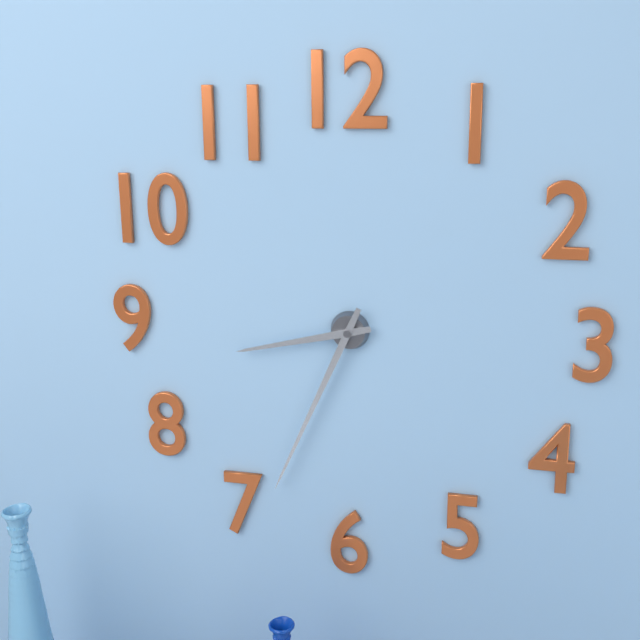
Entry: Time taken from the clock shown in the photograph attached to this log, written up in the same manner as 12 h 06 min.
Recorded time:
8 h 34 min
